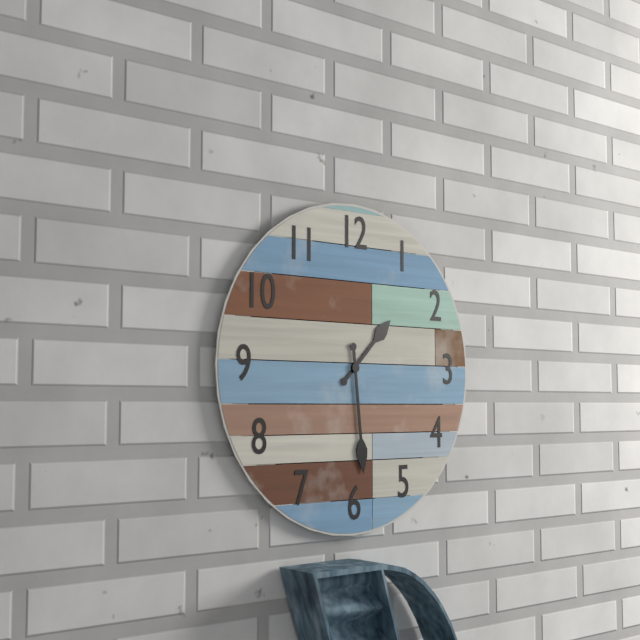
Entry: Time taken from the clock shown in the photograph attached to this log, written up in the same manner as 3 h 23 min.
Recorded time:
1 h 29 min
